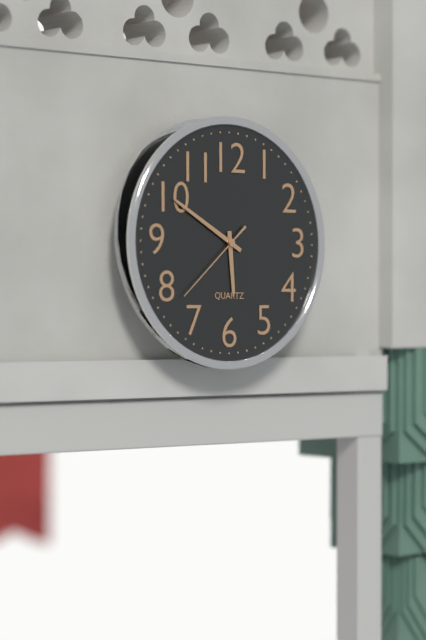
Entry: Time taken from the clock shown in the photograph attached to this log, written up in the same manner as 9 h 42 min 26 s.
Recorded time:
5 h 50 min 38 s
